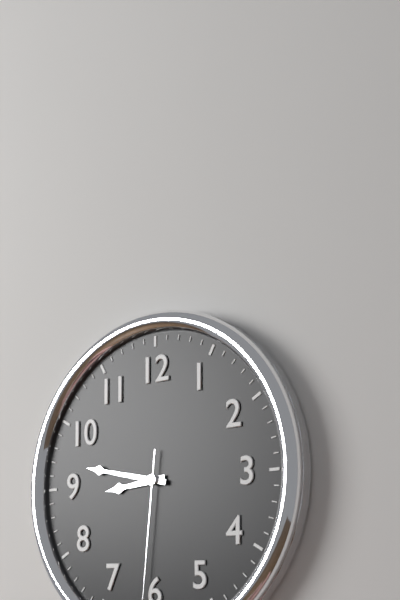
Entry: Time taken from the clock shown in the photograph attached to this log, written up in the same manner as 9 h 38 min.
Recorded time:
8 h 47 min
